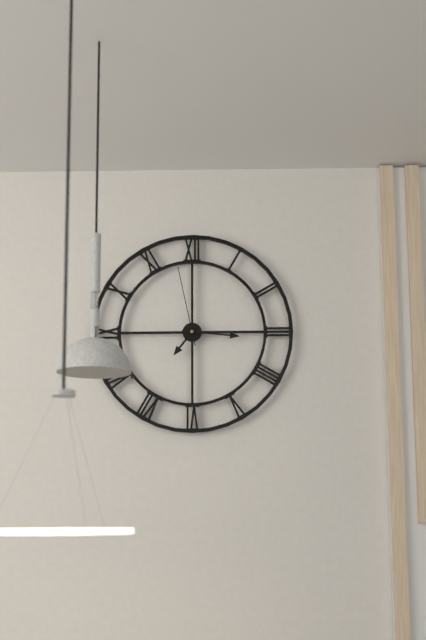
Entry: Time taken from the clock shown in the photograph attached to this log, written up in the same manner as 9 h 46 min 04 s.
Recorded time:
7 h 16 min 58 s
